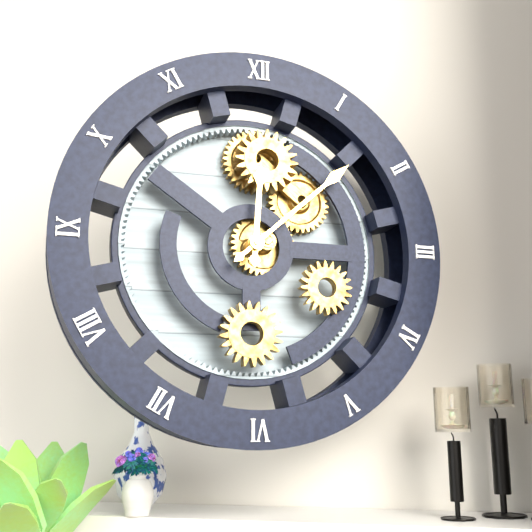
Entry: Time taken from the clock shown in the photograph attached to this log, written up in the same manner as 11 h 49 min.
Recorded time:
12 h 08 min
